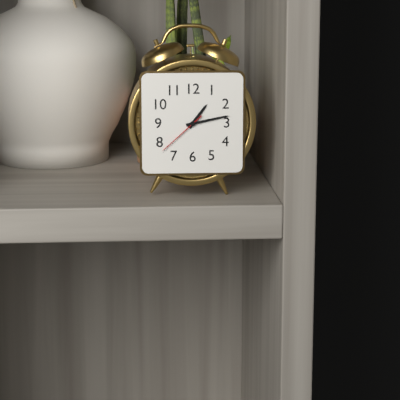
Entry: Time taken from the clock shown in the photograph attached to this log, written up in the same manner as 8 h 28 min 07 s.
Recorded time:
1 h 13 min 38 s
